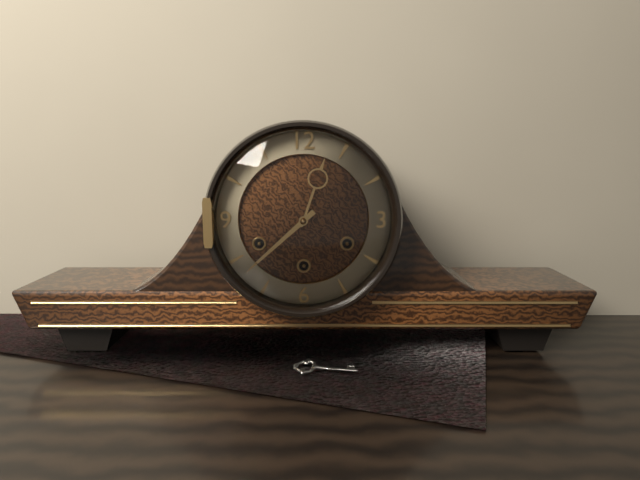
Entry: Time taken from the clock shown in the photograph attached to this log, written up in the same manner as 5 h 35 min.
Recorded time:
12 h 38 min
